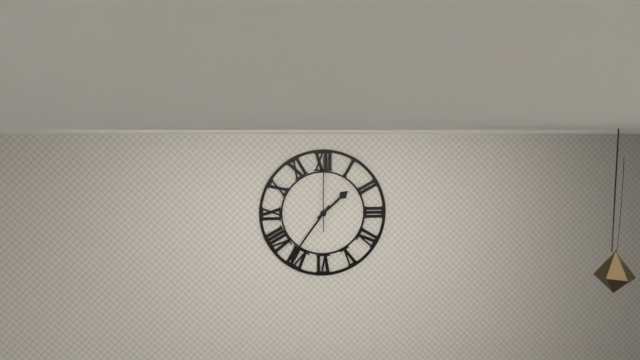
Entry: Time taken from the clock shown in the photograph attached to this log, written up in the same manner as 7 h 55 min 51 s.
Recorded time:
1 h 36 min 00 s
